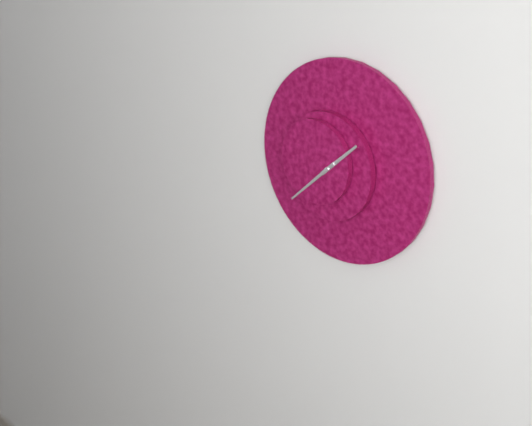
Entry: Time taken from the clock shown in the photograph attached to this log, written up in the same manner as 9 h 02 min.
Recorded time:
1 h 38 min
